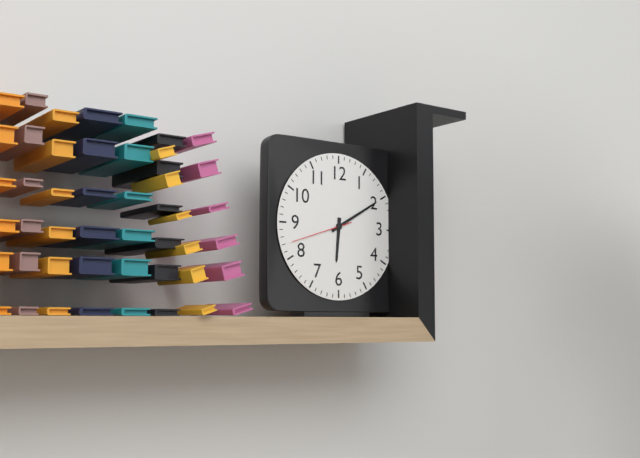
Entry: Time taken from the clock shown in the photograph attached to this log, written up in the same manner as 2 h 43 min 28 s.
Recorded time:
6 h 10 min 42 s
